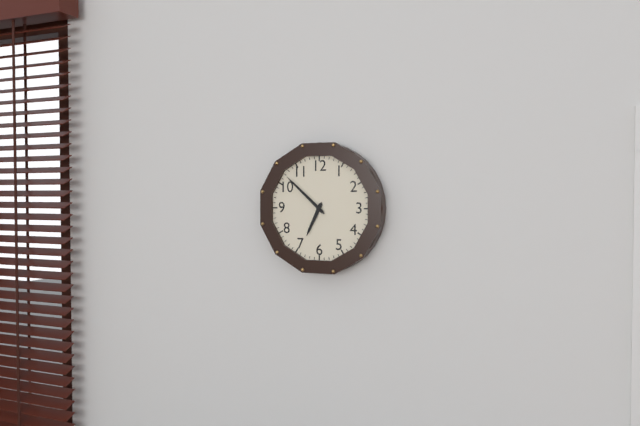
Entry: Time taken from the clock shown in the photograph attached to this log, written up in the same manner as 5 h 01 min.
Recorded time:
6 h 52 min
